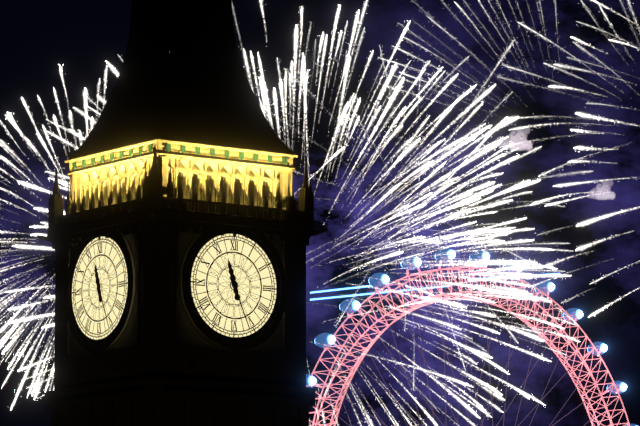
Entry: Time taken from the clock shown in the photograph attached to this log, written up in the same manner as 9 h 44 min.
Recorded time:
11 h 26 min
